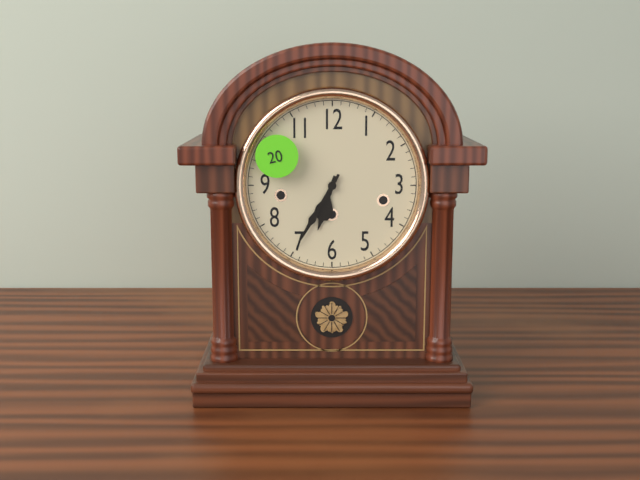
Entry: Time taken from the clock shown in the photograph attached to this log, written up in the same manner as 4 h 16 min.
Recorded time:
6 h 35 min
